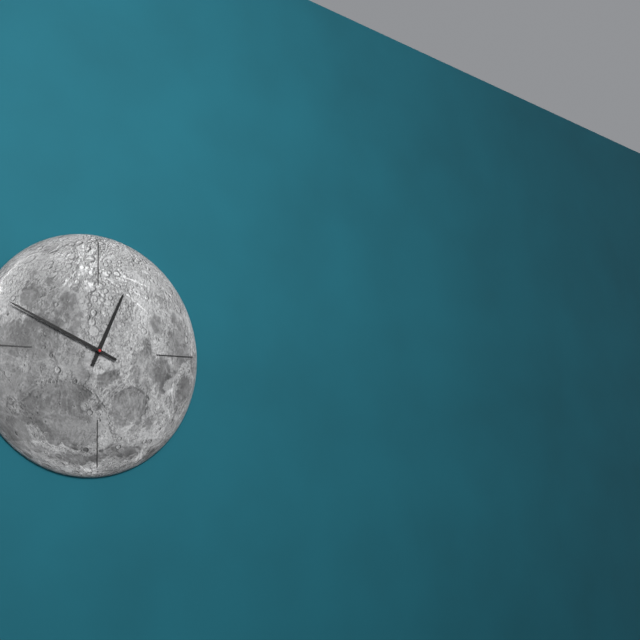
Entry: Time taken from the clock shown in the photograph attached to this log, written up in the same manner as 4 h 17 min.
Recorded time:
12 h 49 min
